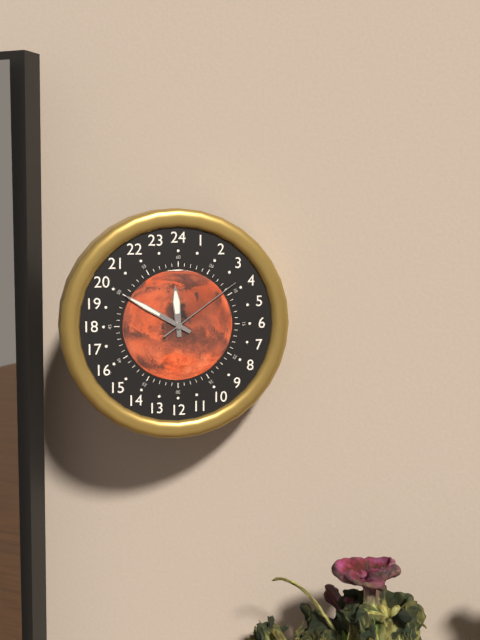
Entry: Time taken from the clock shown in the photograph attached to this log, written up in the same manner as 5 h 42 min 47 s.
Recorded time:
11 h 50 min 09 s
